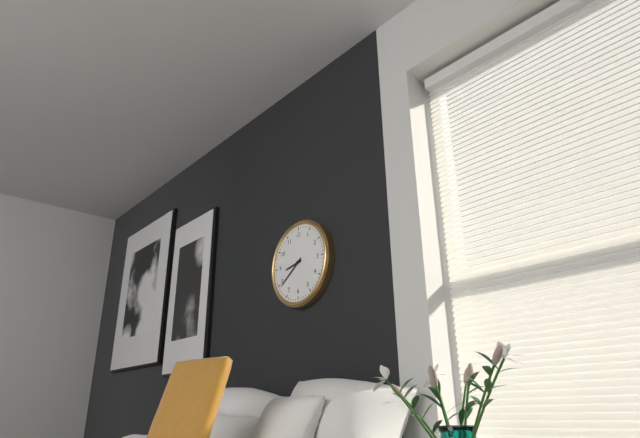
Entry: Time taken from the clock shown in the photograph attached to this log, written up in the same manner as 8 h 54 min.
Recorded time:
8 h 39 min
